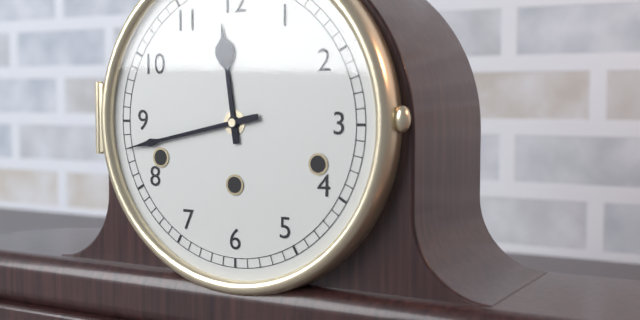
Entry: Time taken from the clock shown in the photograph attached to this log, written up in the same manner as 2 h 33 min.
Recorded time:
11 h 43 min
